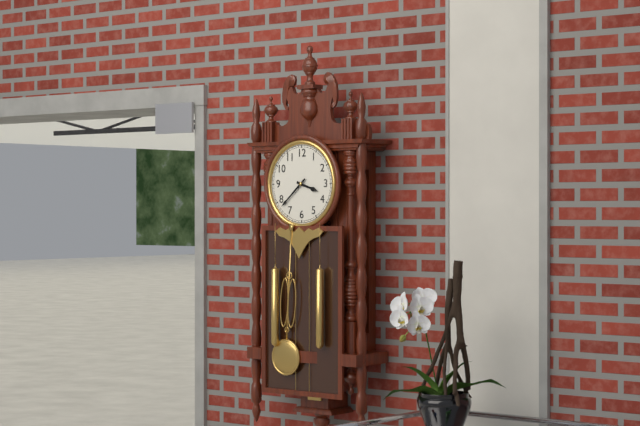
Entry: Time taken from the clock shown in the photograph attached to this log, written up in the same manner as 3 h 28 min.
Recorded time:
3 h 38 min
